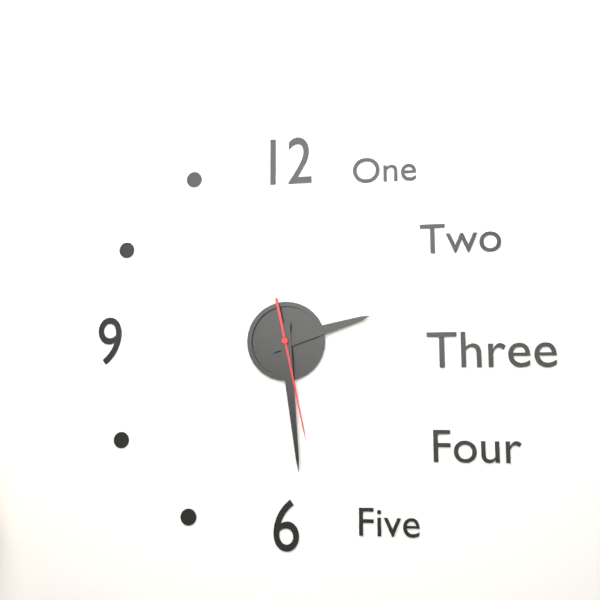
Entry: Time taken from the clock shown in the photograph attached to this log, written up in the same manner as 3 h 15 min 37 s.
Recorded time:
2 h 29 min 28 s
